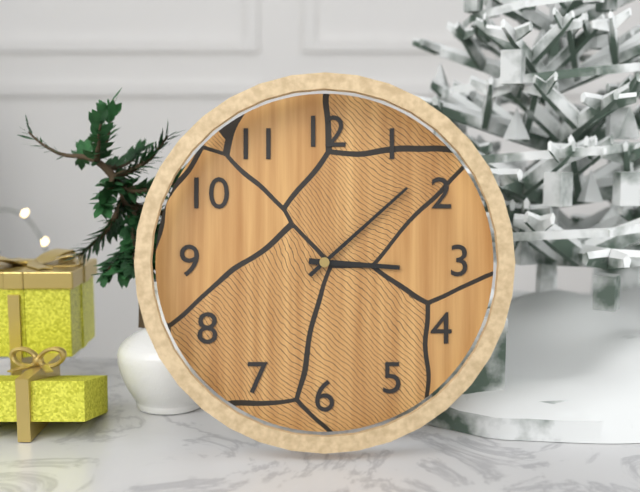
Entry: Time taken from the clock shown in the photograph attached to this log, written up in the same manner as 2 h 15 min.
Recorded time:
3 h 08 min
